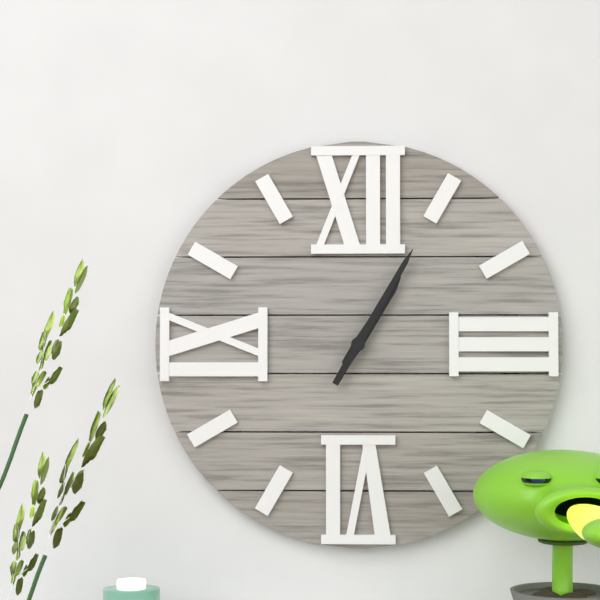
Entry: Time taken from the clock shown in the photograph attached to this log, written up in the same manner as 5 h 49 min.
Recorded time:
1 h 05 min
